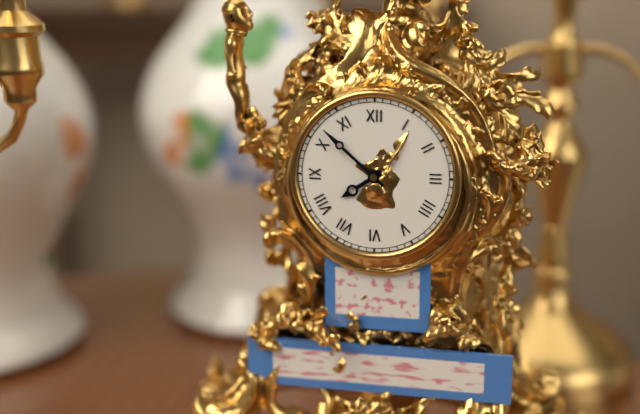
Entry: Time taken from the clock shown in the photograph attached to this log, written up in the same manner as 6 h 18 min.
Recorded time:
7 h 52 min
